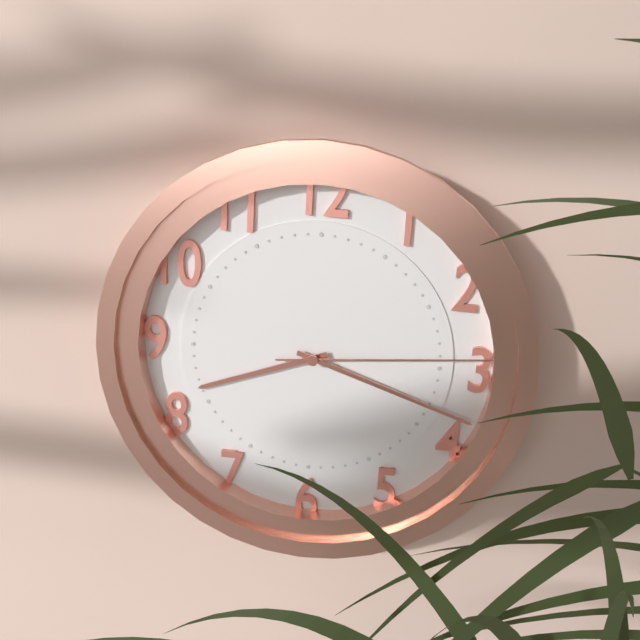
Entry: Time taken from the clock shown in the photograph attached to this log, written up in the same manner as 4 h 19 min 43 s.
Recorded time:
8 h 18 min 14 s
